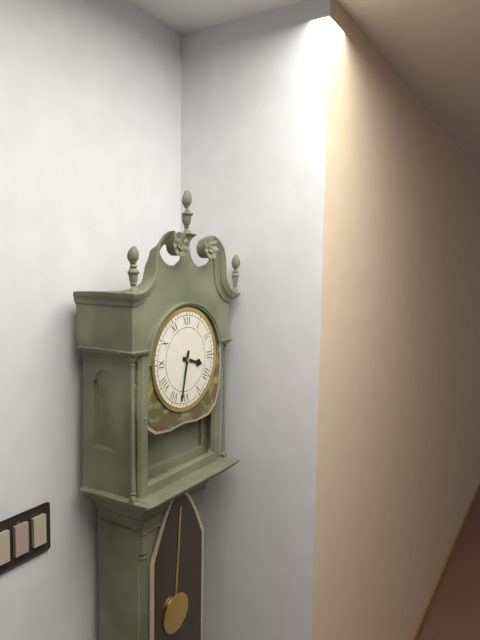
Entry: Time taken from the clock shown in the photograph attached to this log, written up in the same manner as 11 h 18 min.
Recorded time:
3 h 32 min
